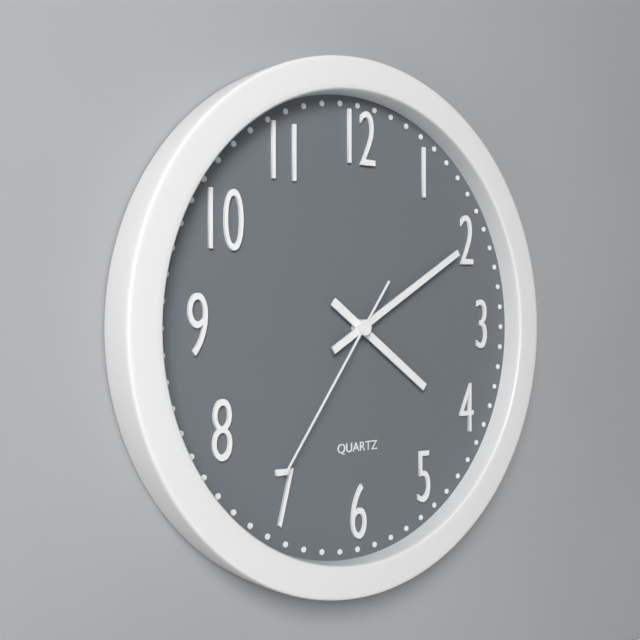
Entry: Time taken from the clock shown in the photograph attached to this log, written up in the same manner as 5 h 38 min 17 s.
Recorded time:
4 h 10 min 36 s
